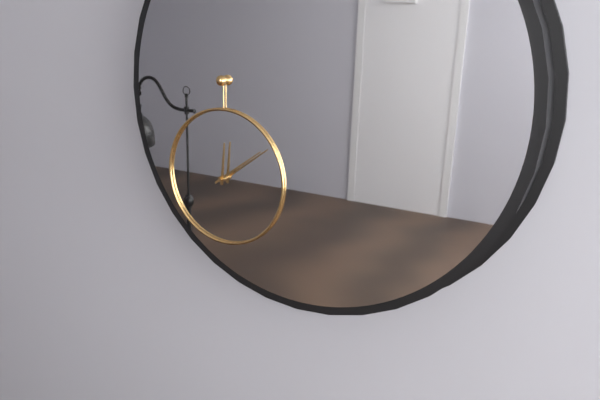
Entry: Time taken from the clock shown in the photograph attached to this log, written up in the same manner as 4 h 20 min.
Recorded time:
12 h 09 min
